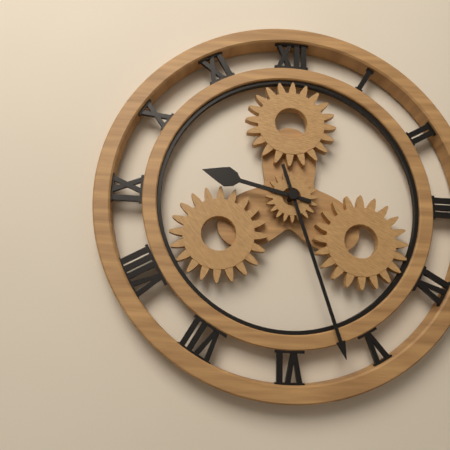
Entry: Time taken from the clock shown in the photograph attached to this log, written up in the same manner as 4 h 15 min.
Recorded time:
9 h 27 min
